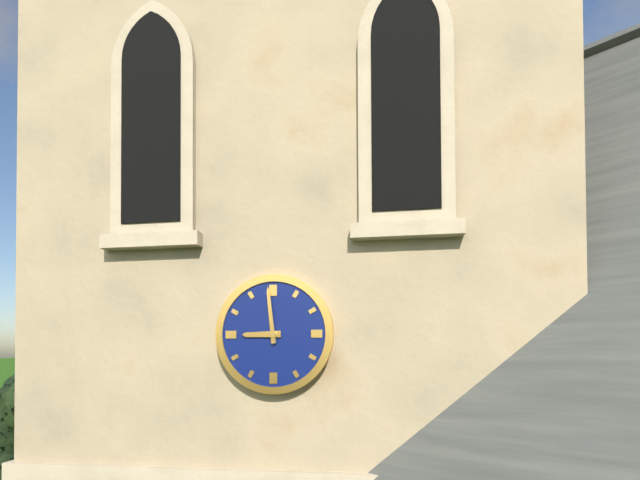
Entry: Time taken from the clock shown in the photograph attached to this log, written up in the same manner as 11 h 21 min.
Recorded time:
8 h 59 min
